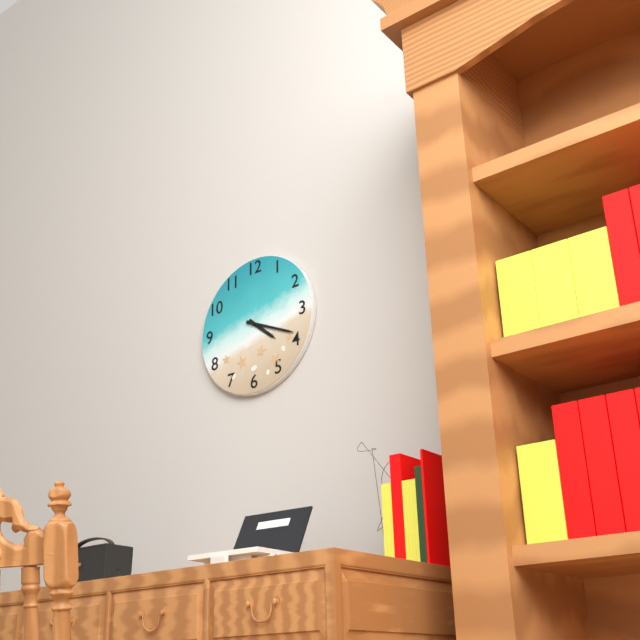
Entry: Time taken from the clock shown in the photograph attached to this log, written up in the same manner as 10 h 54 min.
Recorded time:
4 h 19 min
